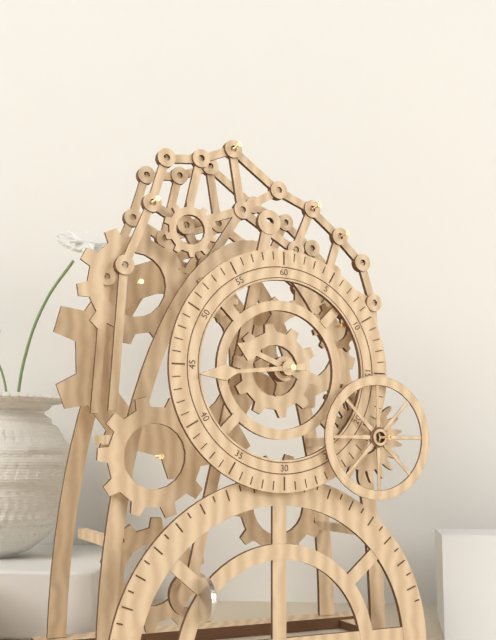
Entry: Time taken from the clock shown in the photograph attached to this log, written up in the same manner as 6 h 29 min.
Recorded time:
9 h 44 min
